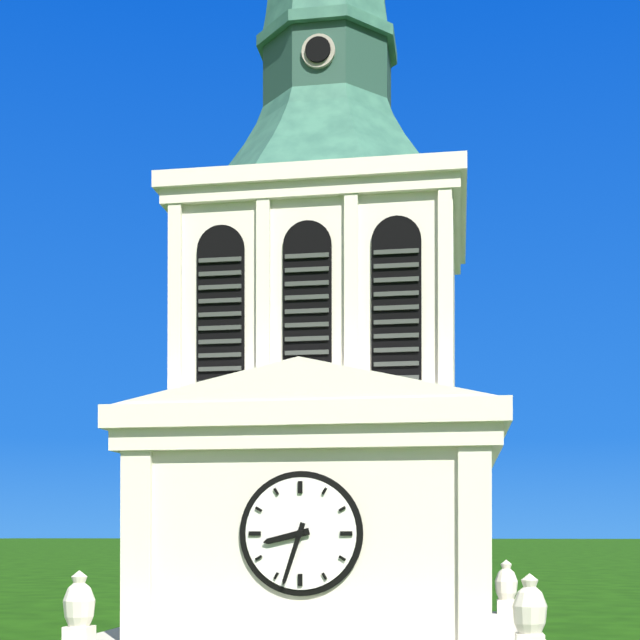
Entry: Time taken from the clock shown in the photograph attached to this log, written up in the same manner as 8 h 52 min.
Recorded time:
8 h 33 min
